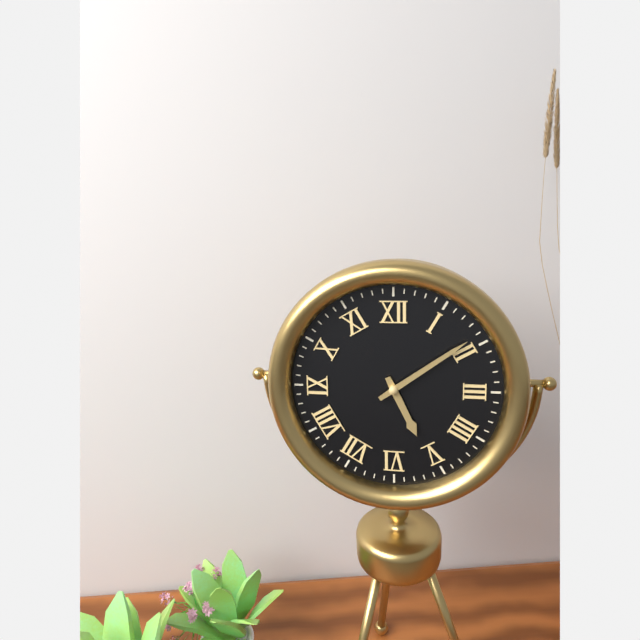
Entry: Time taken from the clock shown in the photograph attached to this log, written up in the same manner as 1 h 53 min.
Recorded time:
5 h 09 min
